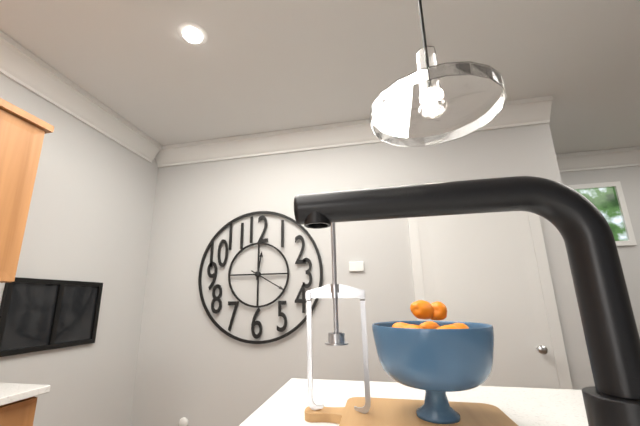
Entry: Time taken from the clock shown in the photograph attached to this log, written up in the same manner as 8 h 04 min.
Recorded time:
12 h 20 min
